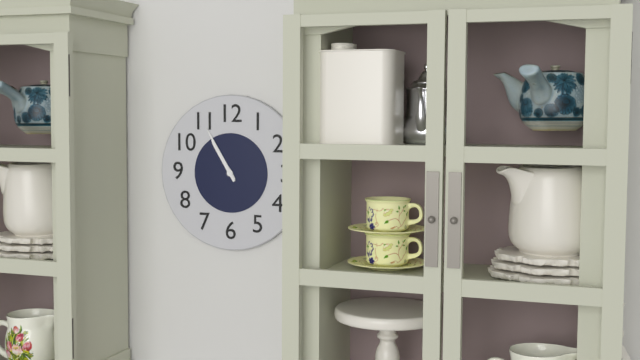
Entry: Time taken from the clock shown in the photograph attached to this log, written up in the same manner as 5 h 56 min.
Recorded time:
10 h 55 min
